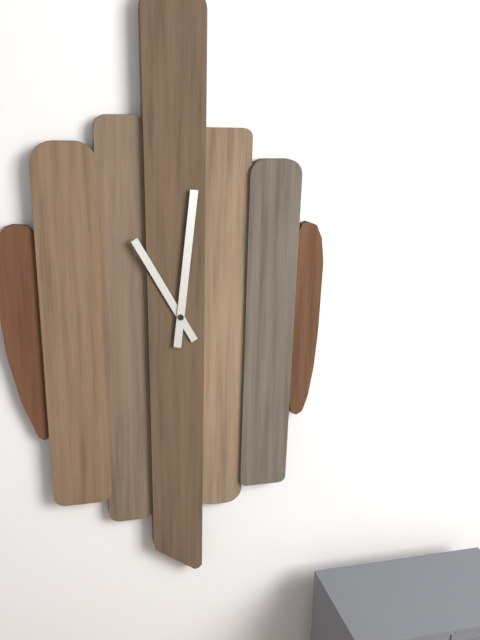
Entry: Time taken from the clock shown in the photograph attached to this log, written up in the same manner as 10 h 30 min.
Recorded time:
11 h 01 min
